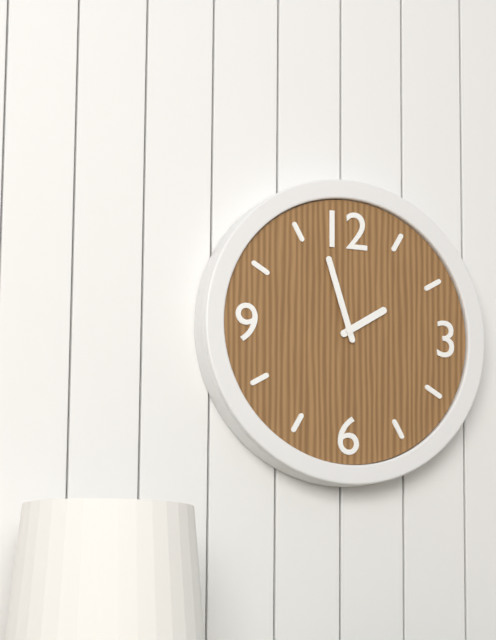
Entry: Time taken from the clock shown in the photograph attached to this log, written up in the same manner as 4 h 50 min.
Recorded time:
1 h 57 min
